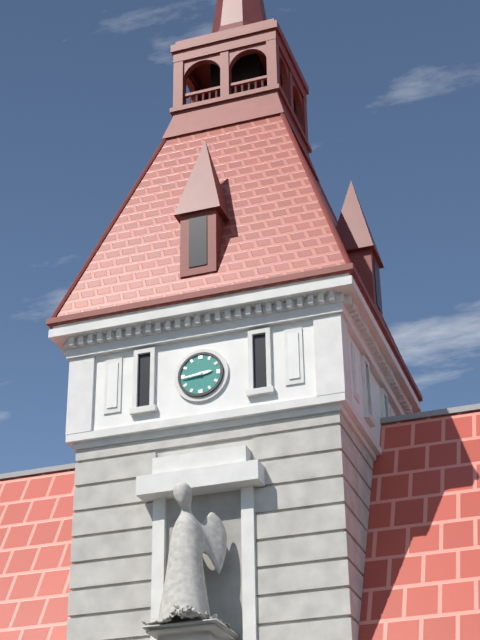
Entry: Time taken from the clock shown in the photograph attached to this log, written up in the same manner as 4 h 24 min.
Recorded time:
2 h 44 min
